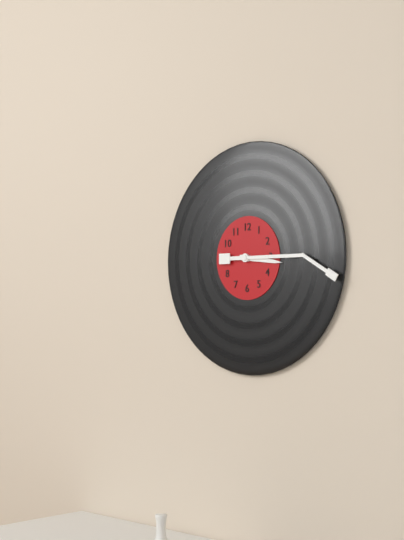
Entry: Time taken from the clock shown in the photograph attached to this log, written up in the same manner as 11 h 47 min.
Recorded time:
3 h 15 min
